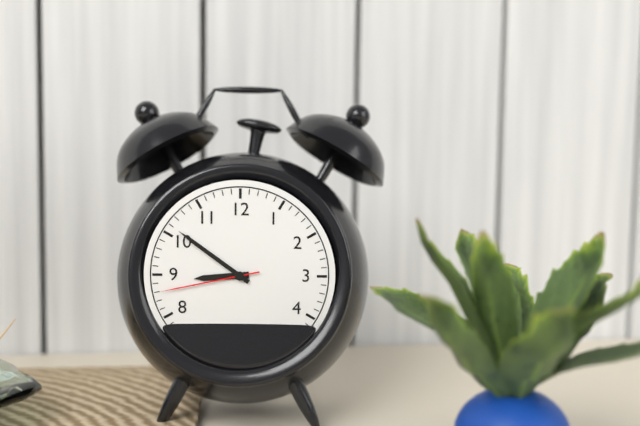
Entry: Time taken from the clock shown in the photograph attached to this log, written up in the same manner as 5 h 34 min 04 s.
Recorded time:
8 h 51 min 43 s
